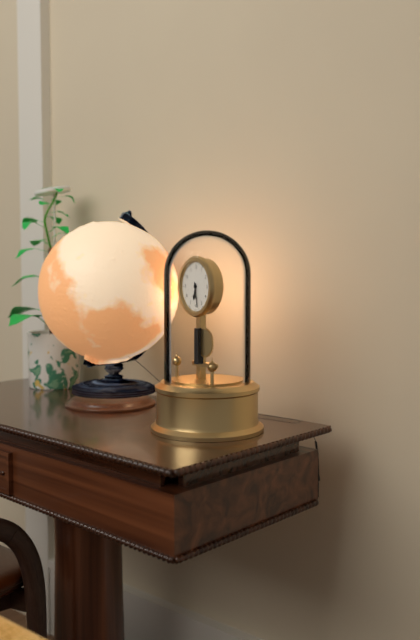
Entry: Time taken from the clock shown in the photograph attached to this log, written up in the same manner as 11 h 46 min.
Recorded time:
6 h 28 min
